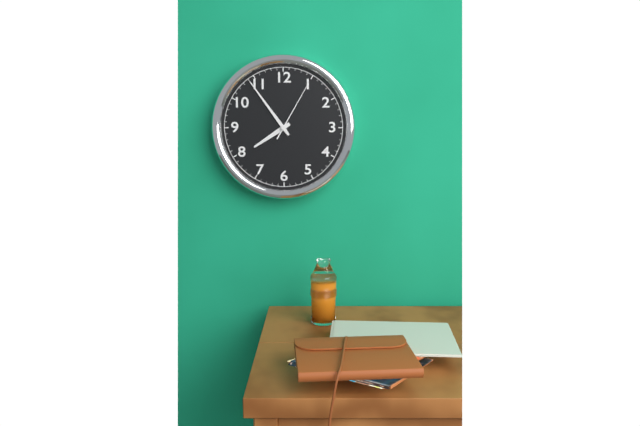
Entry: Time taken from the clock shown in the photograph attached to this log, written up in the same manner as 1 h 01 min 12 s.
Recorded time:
7 h 54 min 05 s
